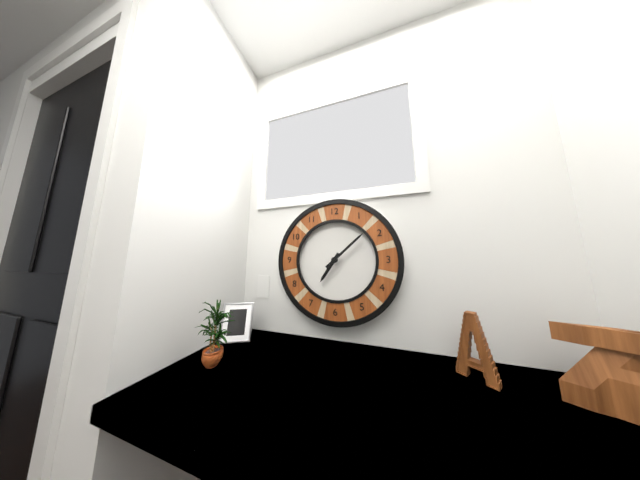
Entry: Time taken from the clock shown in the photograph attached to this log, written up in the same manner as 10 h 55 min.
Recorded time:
7 h 08 min
